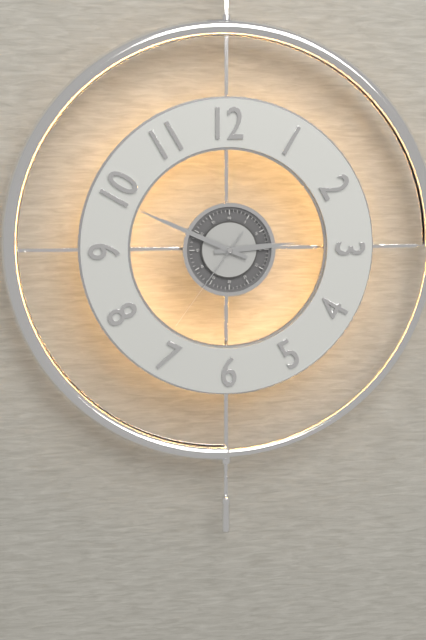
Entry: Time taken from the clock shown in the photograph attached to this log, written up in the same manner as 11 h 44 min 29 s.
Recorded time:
2 h 49 min 36 s
